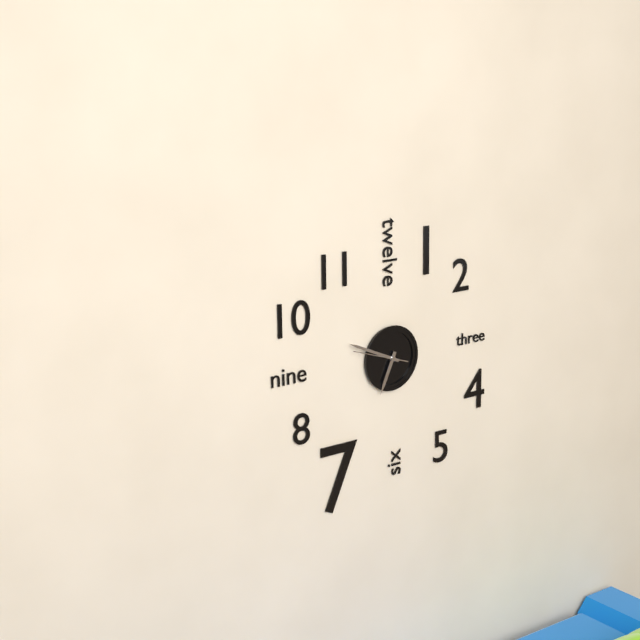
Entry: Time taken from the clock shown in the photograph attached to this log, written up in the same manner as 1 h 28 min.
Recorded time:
6 h 49 min
